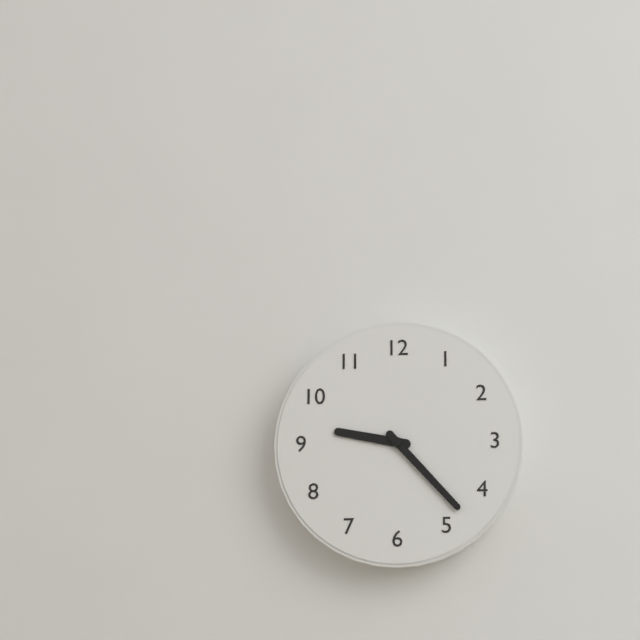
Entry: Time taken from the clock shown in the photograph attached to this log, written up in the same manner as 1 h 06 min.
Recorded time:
9 h 23 min
